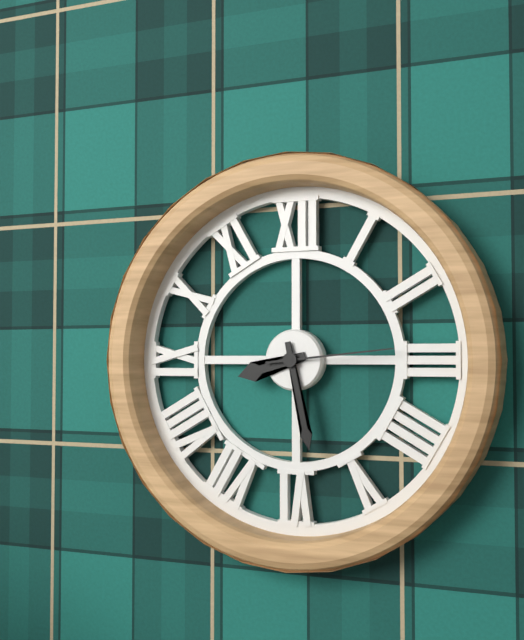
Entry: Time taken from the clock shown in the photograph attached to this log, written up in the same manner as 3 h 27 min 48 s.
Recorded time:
8 h 28 min 14 s
